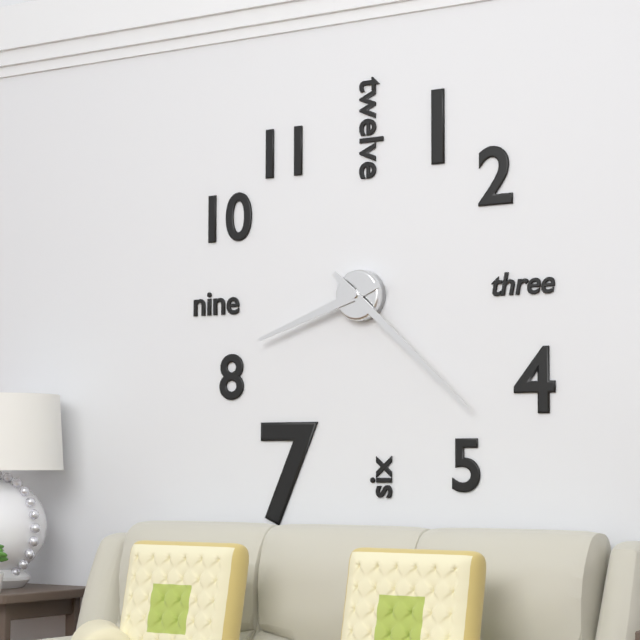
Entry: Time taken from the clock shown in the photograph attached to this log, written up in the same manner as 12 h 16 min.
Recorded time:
8 h 22 min
